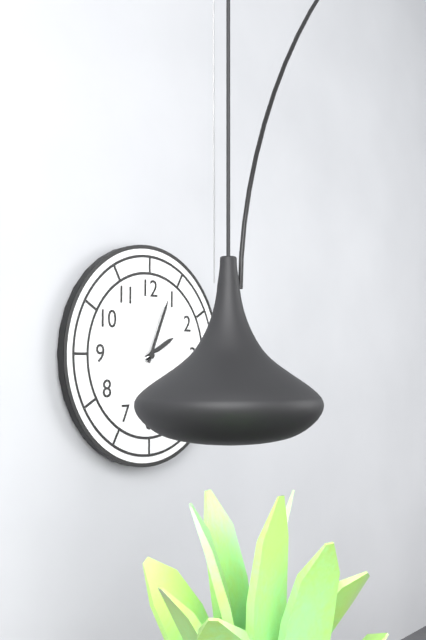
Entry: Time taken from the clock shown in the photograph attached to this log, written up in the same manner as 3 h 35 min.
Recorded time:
2 h 04 min
